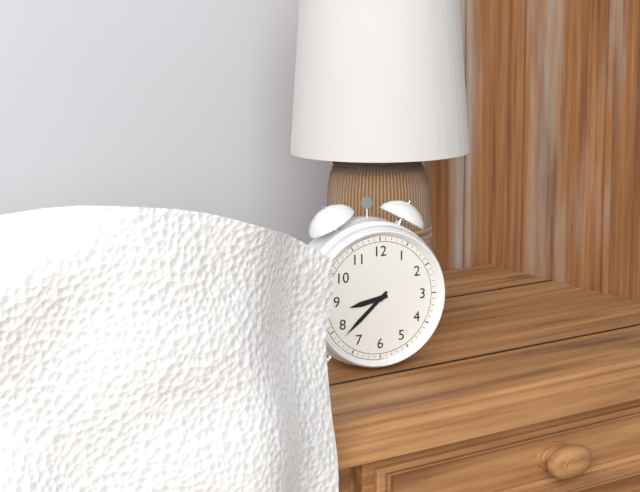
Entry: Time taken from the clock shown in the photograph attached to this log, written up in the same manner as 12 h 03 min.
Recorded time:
8 h 38 min
